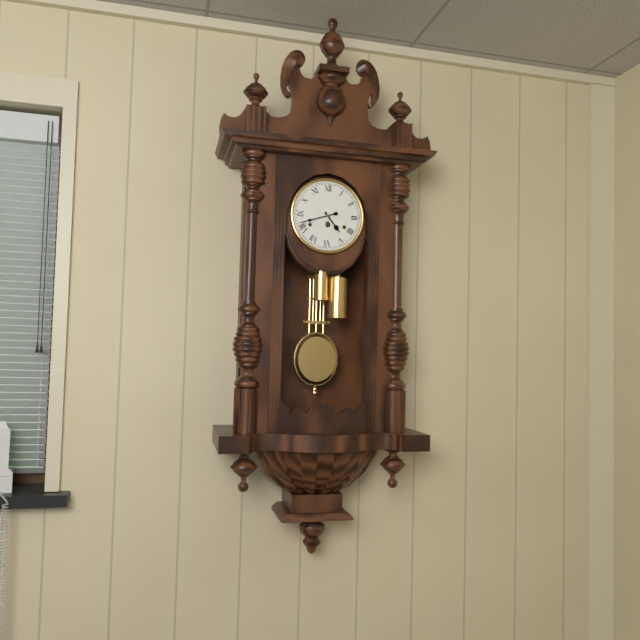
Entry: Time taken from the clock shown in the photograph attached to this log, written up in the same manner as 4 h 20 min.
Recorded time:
4 h 42 min
